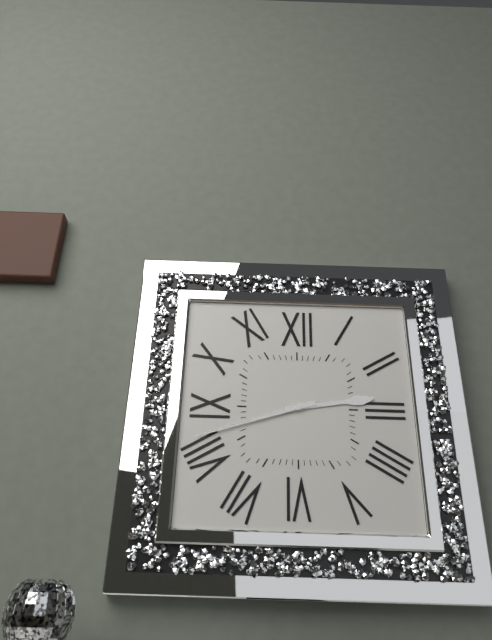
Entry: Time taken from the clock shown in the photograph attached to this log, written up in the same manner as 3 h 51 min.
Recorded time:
2 h 42 min
